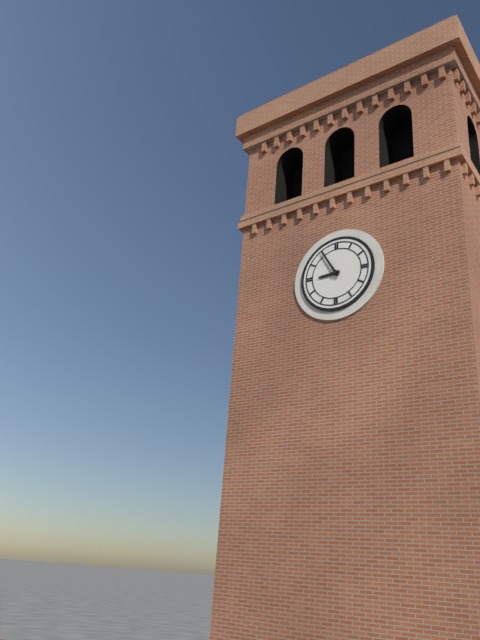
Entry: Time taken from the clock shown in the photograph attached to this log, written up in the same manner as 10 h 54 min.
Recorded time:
8 h 55 min
